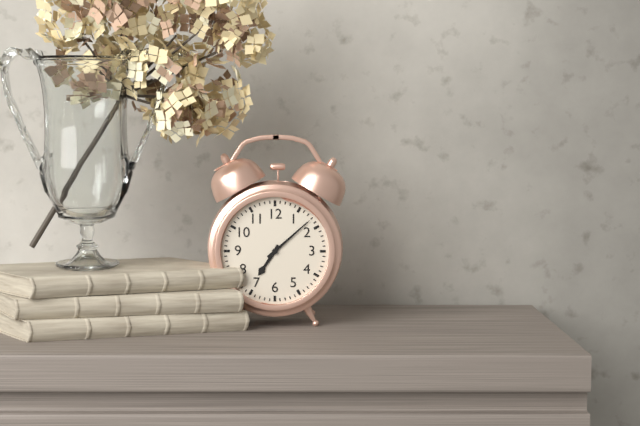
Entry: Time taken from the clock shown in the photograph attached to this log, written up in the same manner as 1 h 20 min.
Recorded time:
7 h 08 min
